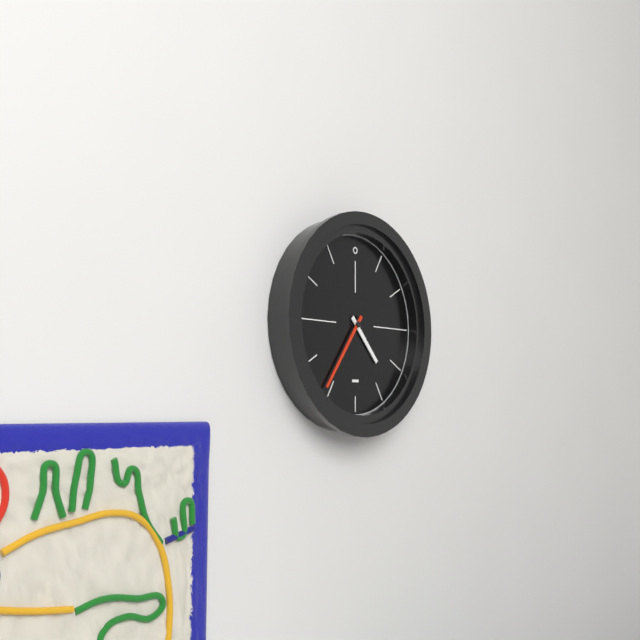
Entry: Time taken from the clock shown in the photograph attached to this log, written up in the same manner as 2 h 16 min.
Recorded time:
4 h 36 min
